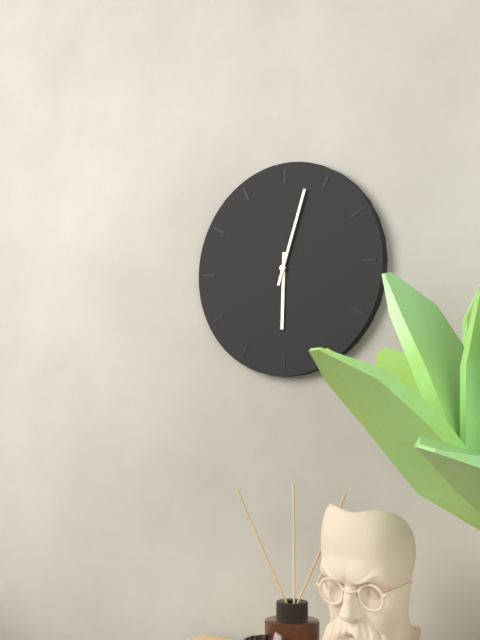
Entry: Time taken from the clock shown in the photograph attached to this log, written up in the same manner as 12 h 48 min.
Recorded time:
6 h 03 min
